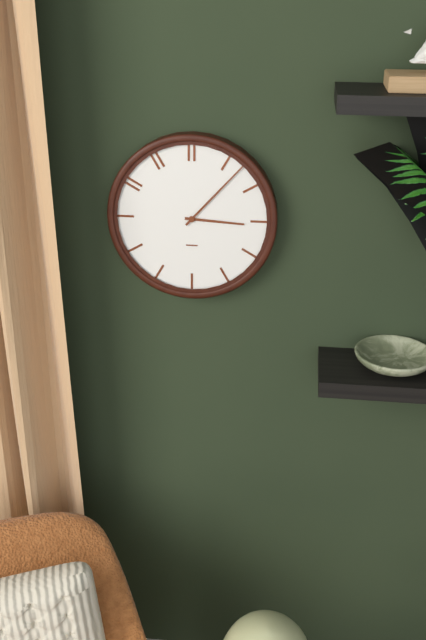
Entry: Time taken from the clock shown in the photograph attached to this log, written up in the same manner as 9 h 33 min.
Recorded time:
3 h 07 min
